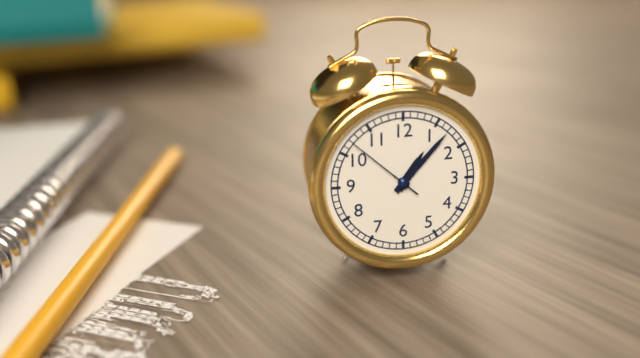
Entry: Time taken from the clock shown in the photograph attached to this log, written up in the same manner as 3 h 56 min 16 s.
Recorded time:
1 h 07 min 52 s
